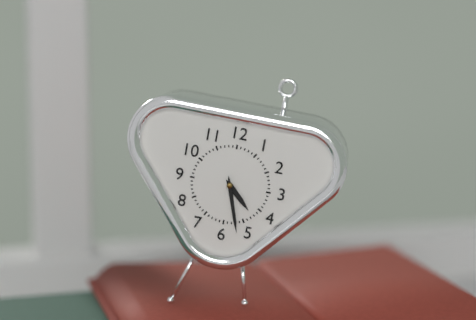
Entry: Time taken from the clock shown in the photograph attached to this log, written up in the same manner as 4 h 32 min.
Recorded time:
4 h 27 min
